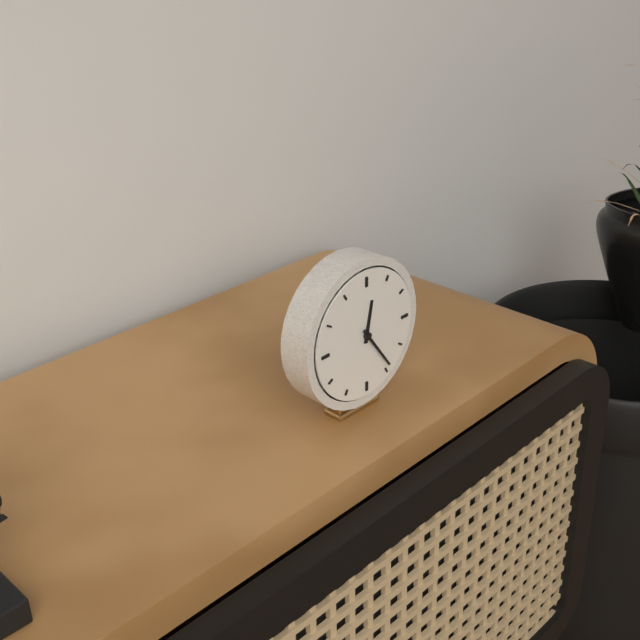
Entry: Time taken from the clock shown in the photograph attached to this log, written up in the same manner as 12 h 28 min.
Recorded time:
12 h 24 min
